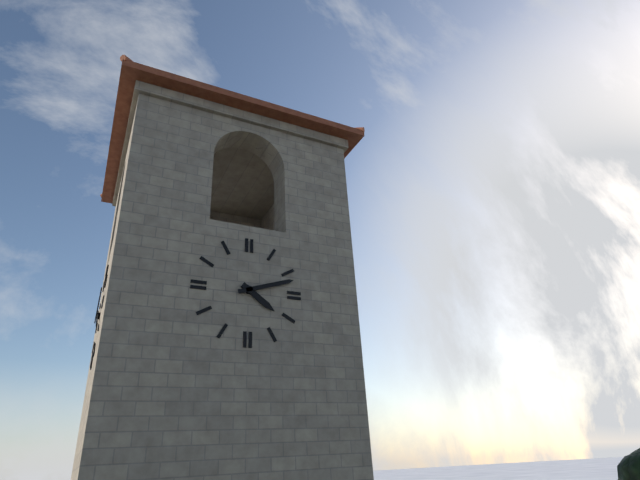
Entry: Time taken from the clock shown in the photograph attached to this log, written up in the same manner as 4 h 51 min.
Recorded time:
4 h 12 min
